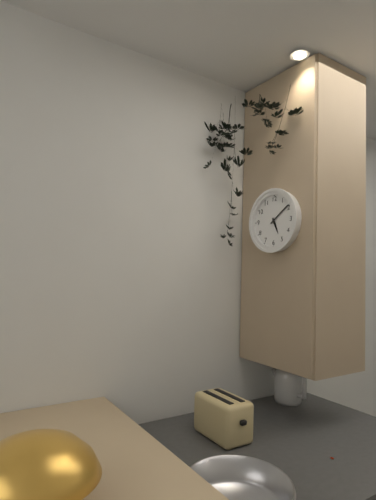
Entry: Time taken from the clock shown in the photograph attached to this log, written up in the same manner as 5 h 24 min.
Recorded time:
5 h 09 min
